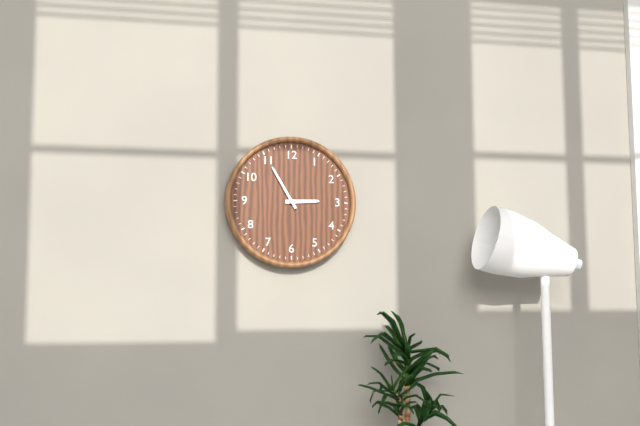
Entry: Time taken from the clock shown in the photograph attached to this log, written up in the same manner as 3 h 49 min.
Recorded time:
2 h 55 min
